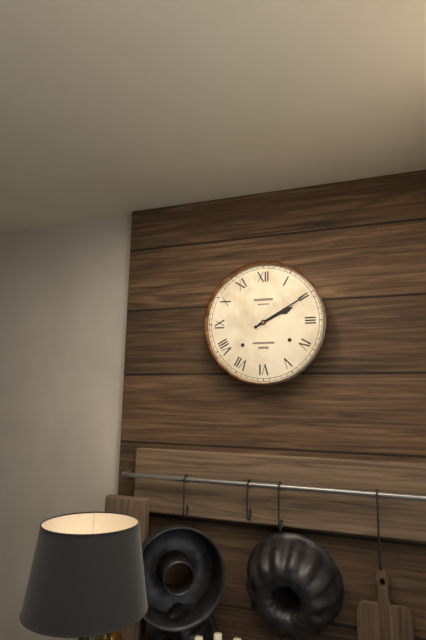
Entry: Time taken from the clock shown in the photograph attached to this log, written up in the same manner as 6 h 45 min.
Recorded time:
2 h 10 min
